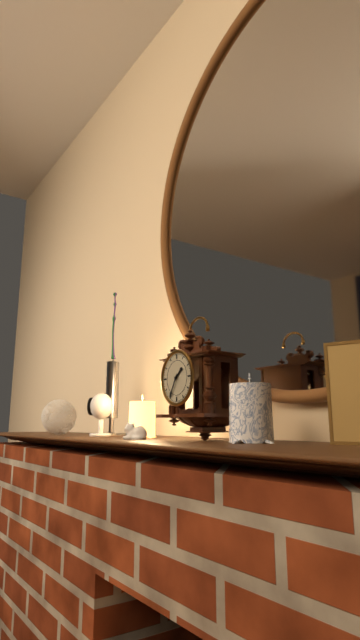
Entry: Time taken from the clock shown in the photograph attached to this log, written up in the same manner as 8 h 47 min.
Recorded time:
1 h 35 min
